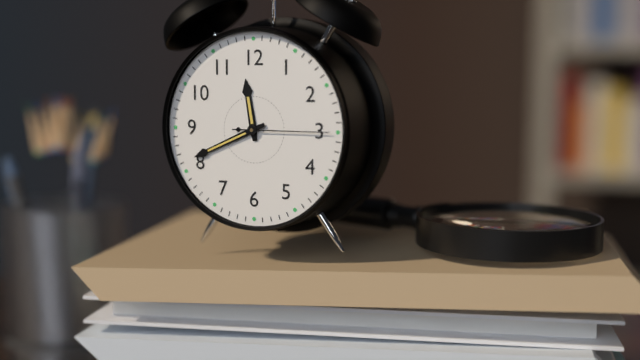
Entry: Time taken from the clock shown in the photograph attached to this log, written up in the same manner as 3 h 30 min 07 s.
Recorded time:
11 h 41 min 15 s
